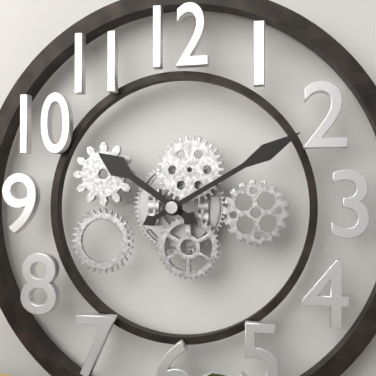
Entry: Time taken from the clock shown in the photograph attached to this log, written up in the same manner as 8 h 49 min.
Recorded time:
10 h 10 min
